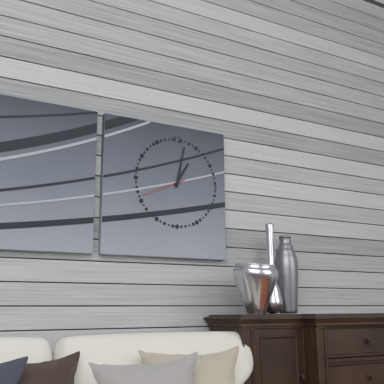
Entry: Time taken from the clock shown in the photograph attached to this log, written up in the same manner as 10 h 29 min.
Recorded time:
1 h 02 min
